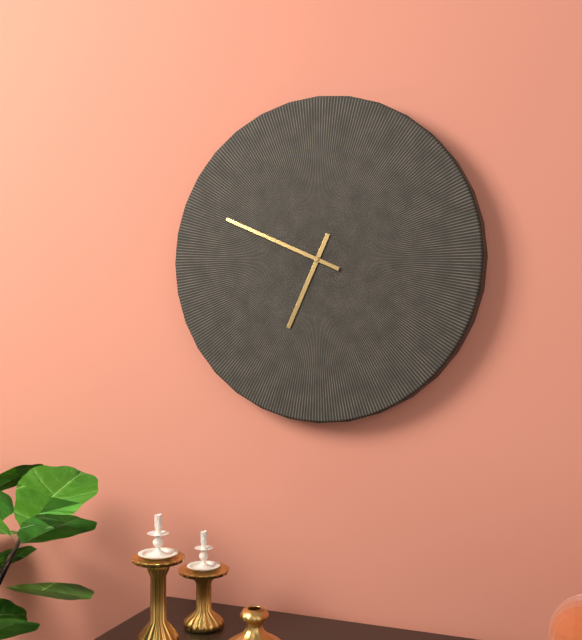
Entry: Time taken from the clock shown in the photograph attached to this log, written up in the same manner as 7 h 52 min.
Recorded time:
6 h 49 min
